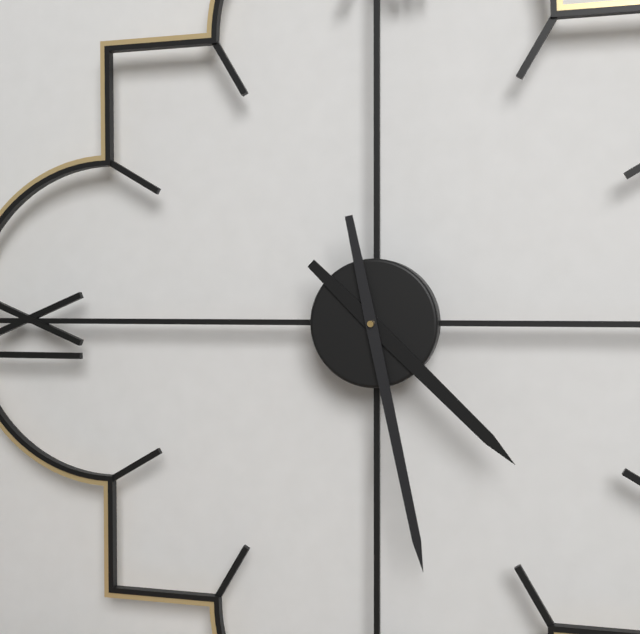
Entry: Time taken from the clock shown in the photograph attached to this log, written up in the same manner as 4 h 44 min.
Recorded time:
4 h 28 min
